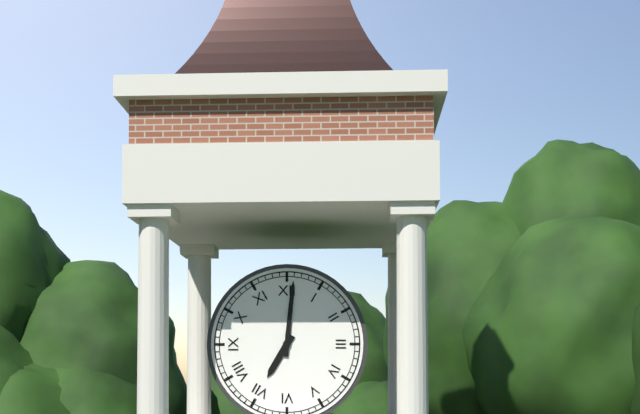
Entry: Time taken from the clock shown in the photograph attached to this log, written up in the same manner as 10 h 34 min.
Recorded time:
7 h 01 min
